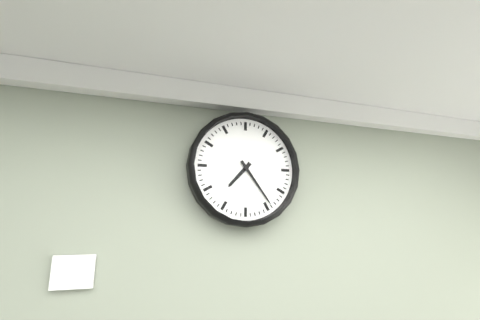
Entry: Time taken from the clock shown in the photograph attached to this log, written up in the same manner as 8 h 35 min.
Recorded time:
7 h 24 min
